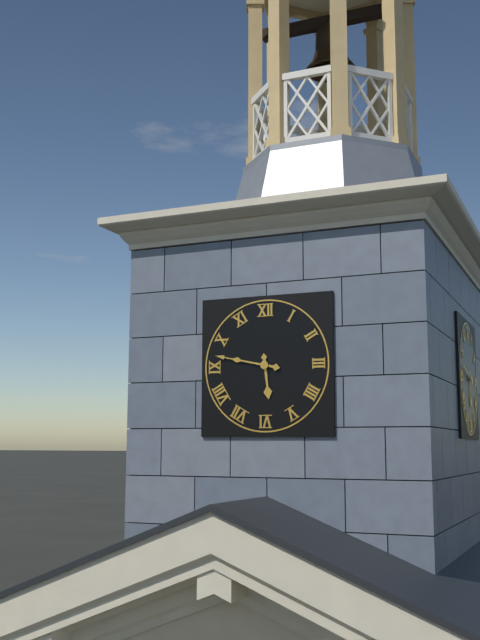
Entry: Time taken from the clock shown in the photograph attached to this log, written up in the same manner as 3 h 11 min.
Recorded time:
5 h 47 min
